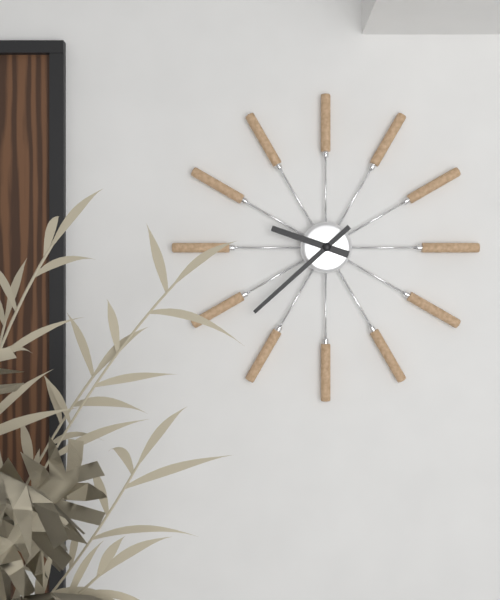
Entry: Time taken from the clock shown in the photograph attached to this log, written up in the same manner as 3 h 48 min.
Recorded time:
9 h 38 min
